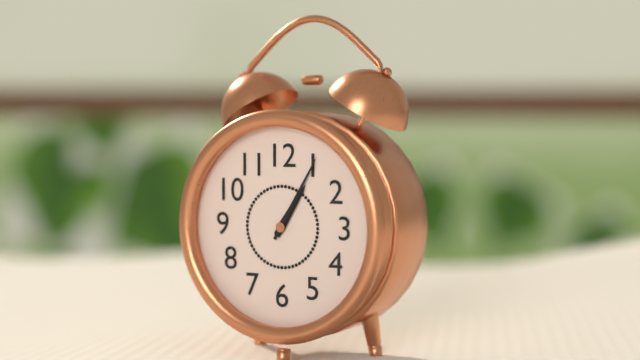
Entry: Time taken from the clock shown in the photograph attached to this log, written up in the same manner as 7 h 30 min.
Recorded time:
1 h 05 min
